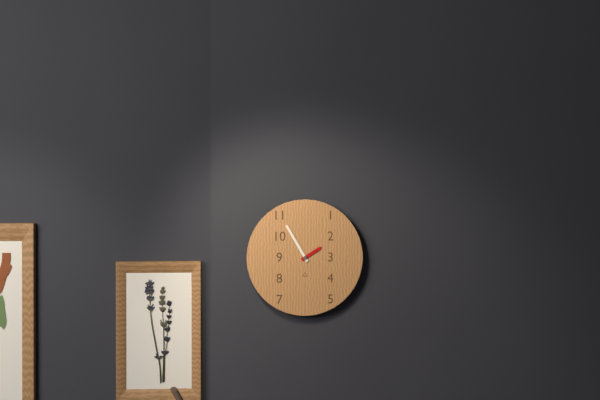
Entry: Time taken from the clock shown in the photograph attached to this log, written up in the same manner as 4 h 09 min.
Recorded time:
1 h 55 min
